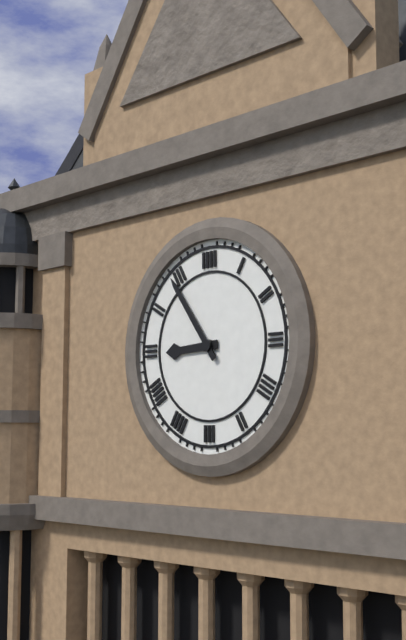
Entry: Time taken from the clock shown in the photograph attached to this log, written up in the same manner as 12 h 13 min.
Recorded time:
8 h 54 min
